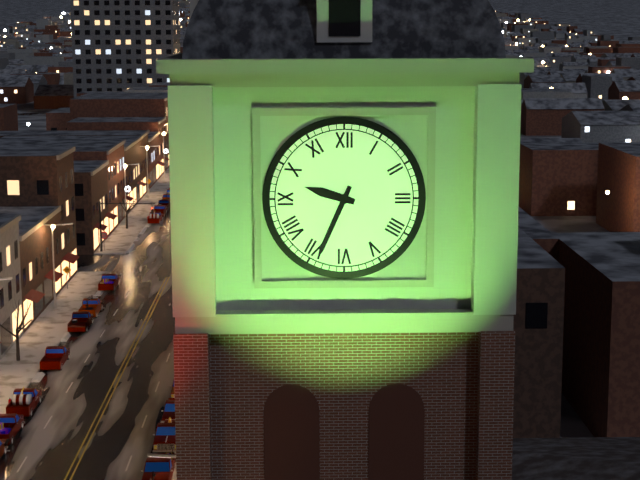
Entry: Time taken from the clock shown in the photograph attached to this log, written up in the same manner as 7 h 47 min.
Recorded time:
9 h 34 min
